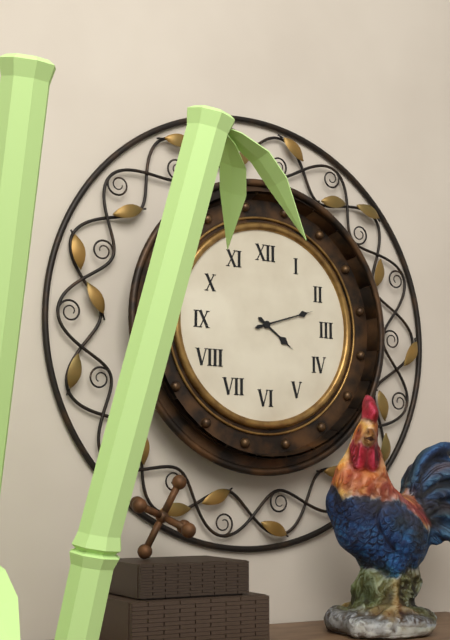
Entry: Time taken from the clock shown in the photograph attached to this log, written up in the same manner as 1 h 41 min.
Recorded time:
4 h 12 min
